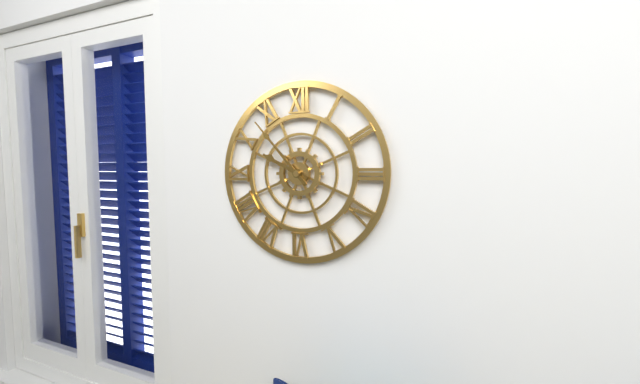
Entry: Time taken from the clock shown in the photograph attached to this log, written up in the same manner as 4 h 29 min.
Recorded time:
9 h 53 min
